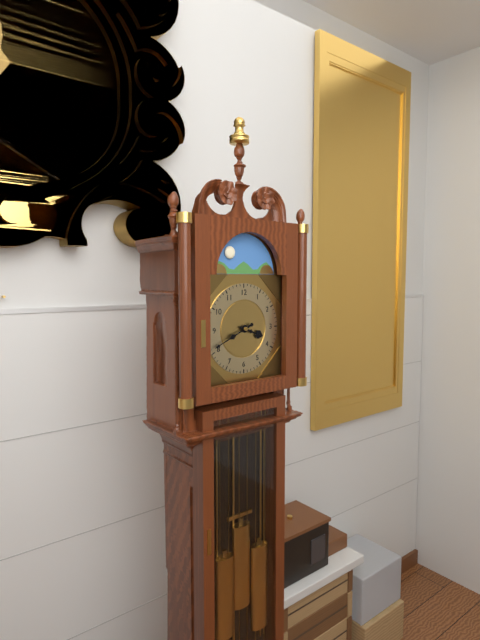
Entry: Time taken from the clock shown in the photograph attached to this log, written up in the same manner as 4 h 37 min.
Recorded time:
3 h 41 min
